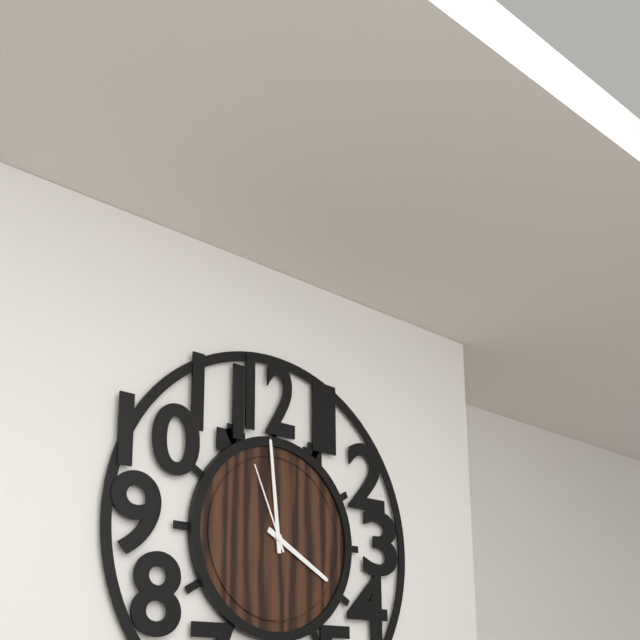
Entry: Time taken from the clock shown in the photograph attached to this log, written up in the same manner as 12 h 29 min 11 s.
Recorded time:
3 h 59 min 56 s
